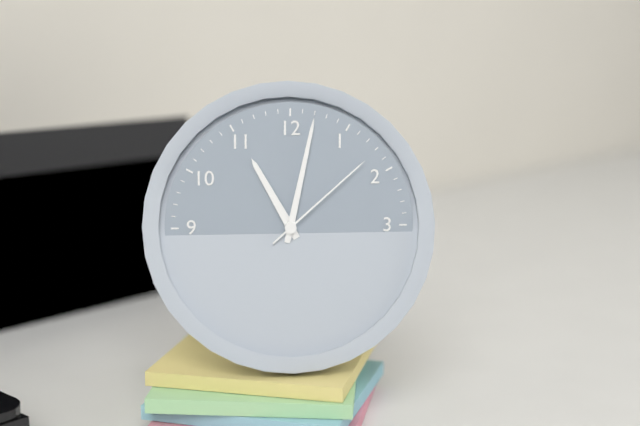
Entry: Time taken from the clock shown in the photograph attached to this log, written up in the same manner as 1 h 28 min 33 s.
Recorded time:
11 h 02 min 08 s
